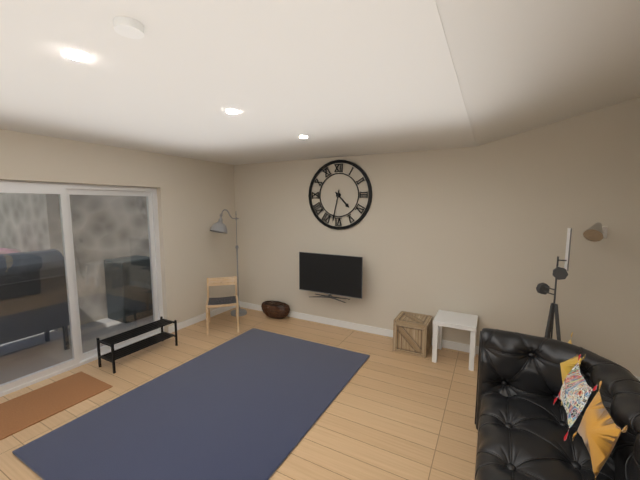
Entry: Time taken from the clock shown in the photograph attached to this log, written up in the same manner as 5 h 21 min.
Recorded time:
4 h 32 min
